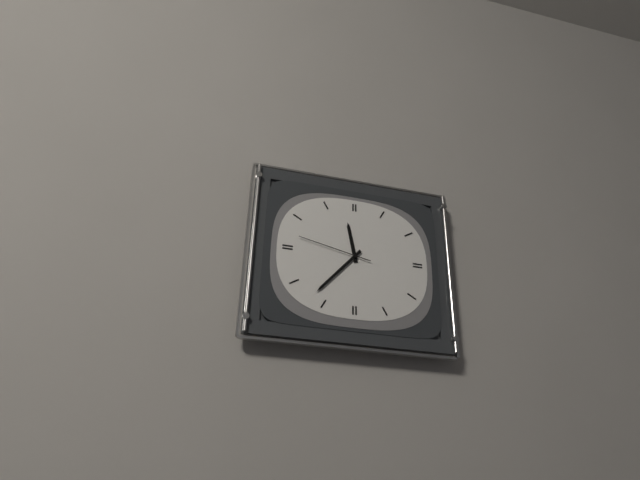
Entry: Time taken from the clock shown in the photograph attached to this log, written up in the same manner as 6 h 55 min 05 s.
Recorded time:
11 h 37 min 47 s
